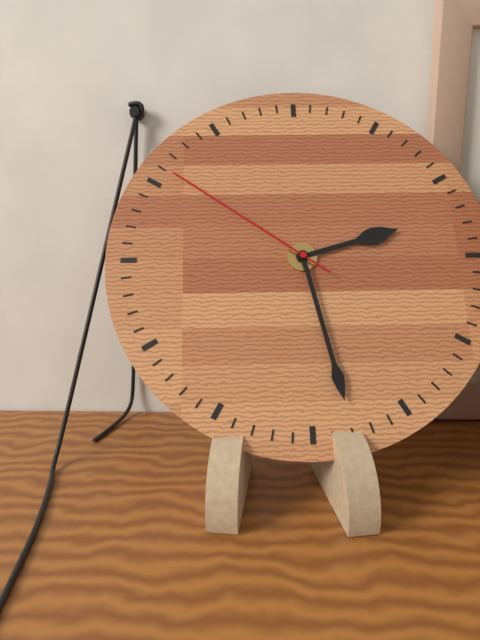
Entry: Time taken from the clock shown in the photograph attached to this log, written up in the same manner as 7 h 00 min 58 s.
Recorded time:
2 h 28 min 51 s
